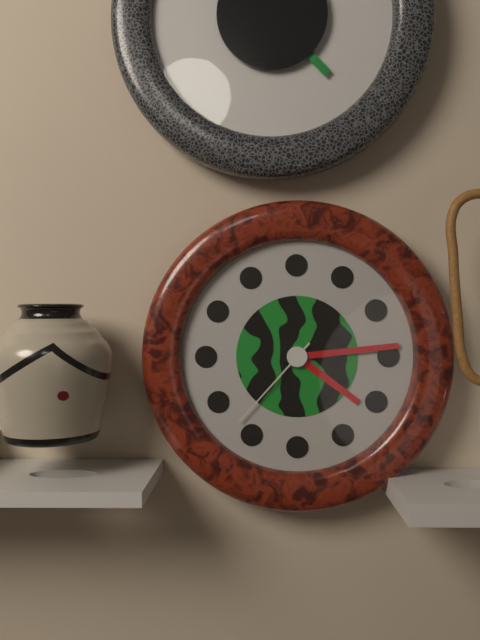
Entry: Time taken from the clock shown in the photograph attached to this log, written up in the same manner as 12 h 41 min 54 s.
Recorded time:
4 h 14 min 37 s
